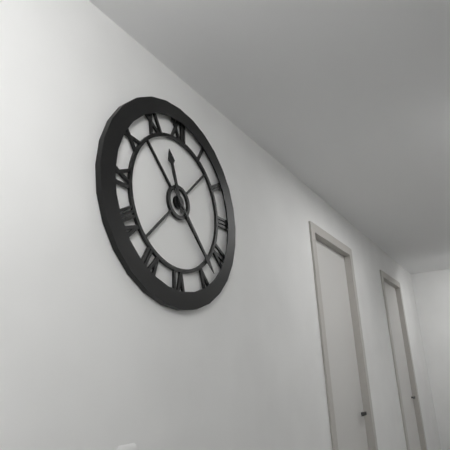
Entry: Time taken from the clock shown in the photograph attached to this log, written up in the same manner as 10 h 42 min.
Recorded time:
11 h 23 min
